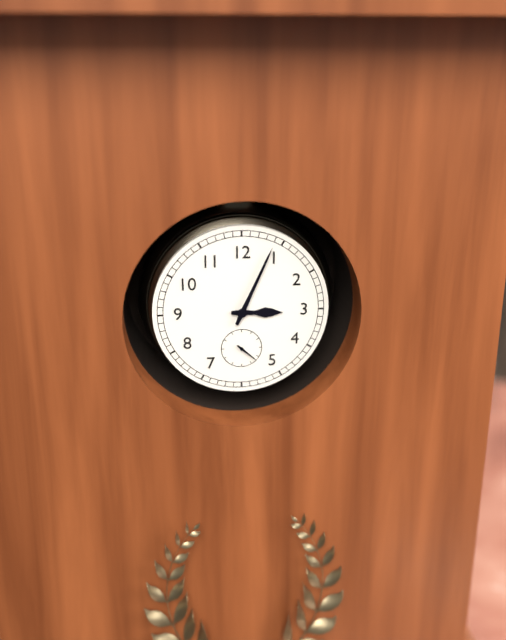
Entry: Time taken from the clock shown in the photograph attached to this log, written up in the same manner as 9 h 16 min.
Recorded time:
3 h 04 min
